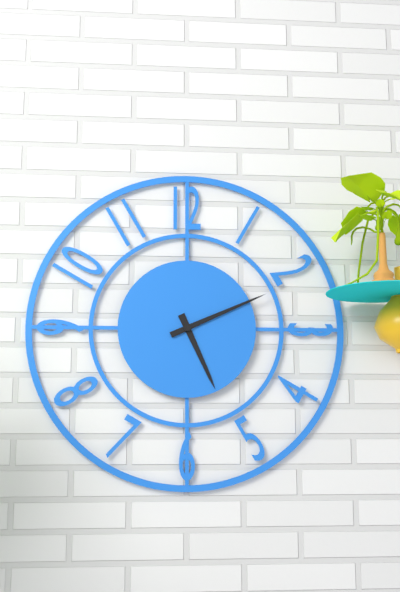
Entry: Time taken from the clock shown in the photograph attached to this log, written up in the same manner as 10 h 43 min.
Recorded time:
5 h 11 min
